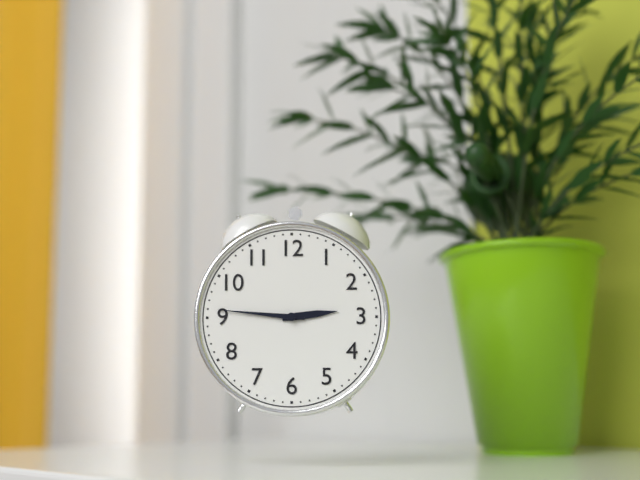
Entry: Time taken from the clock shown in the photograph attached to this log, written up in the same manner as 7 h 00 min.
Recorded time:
2 h 46 min
